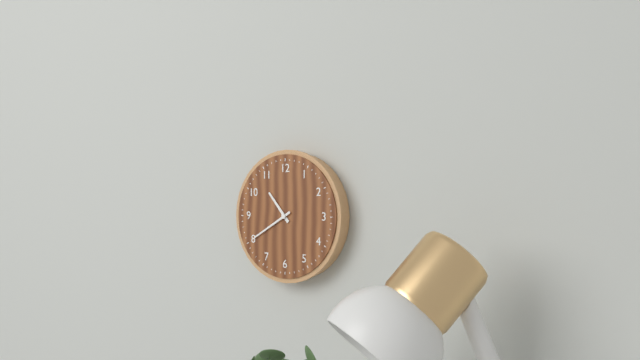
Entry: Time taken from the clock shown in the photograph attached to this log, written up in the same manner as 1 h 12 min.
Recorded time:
10 h 40 min
